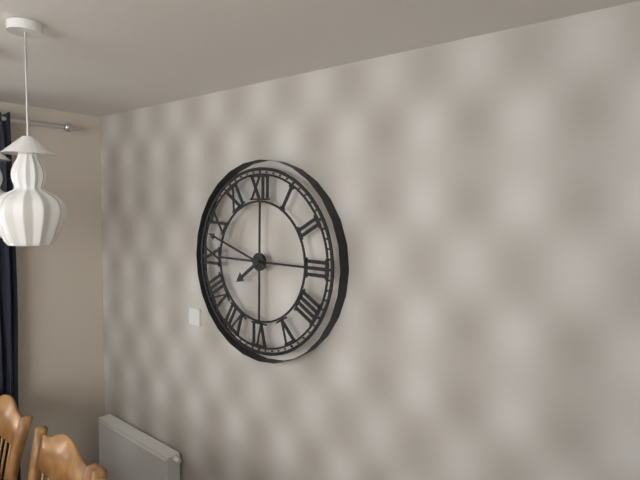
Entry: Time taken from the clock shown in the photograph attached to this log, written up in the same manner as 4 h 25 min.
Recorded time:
7 h 48 min
